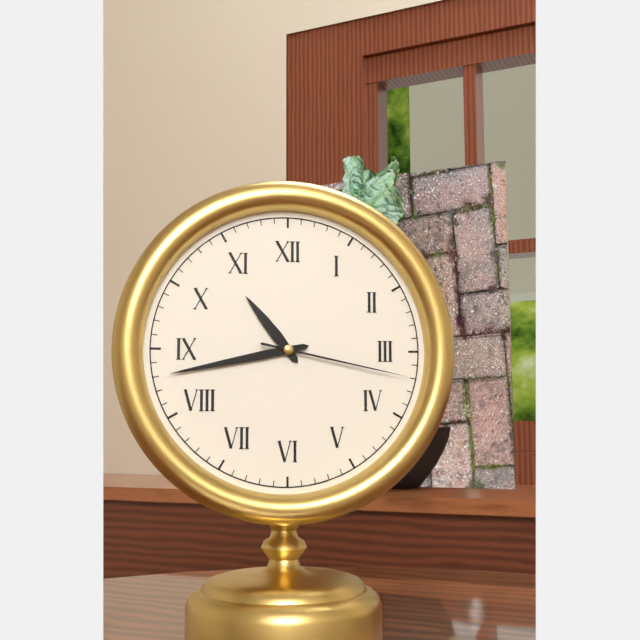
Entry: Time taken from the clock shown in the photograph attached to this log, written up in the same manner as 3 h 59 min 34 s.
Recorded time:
10 h 43 min 17 s
